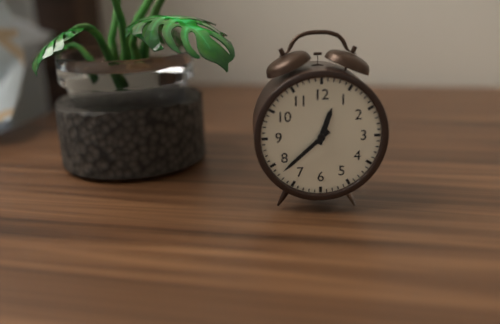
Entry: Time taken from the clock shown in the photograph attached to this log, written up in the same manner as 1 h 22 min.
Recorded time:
12 h 38 min
